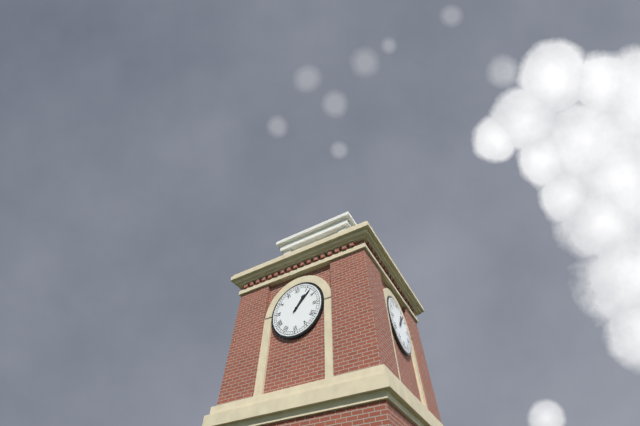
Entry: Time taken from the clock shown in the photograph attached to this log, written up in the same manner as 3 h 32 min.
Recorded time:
1 h 07 min
